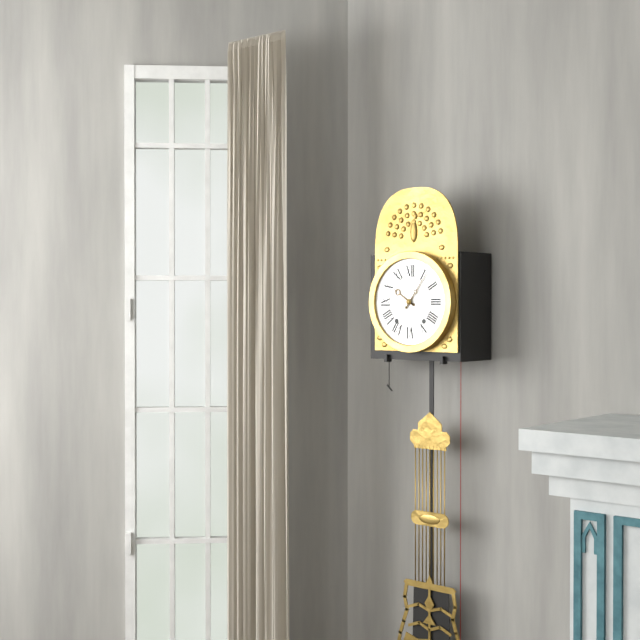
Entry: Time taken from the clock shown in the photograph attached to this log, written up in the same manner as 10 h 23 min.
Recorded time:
10 h 06 min
